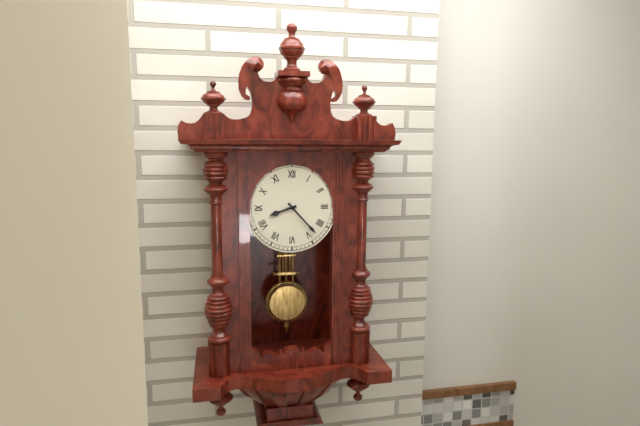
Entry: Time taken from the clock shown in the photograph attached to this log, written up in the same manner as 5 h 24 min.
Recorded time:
8 h 23 min
